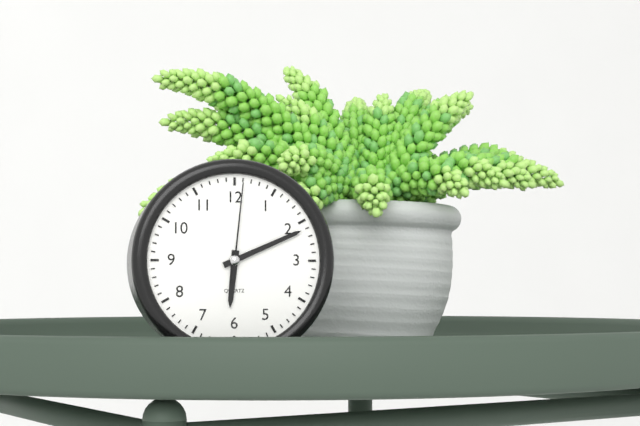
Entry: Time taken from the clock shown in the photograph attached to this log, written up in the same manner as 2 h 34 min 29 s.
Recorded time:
6 h 11 min 01 s
